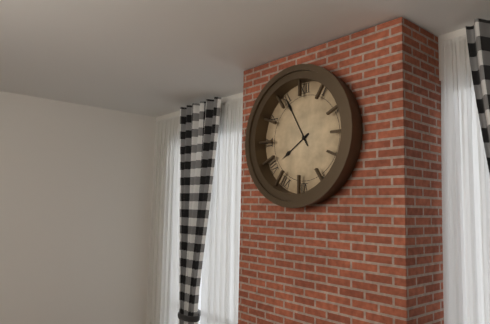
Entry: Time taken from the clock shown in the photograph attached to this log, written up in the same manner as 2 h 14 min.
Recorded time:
7 h 55 min
